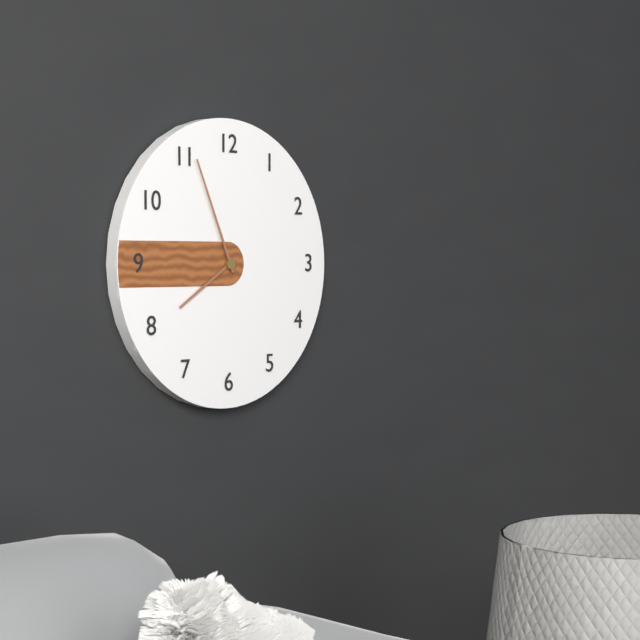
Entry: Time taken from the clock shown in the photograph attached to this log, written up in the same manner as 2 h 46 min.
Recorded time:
7 h 56 min
